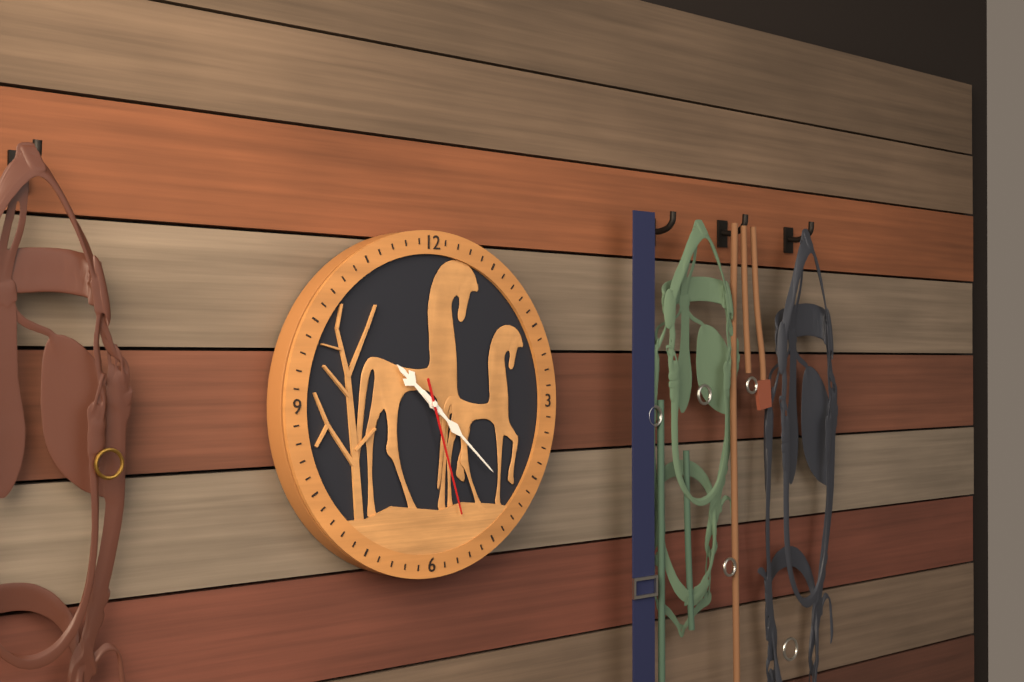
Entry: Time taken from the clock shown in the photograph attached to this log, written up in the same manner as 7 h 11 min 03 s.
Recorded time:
10 h 22 min 27 s
